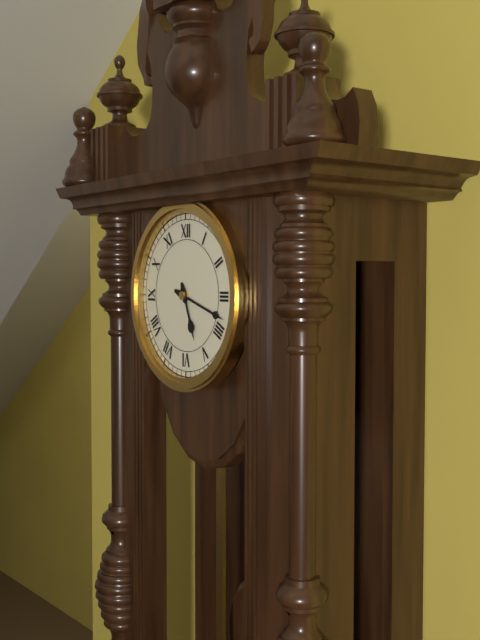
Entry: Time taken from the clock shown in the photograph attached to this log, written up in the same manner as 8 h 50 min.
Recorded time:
5 h 18 min
